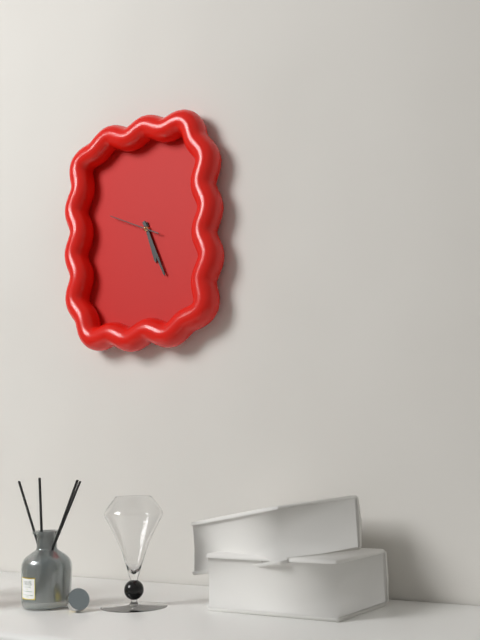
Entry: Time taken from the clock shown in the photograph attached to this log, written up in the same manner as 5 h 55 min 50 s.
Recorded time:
5 h 26 min 49 s
